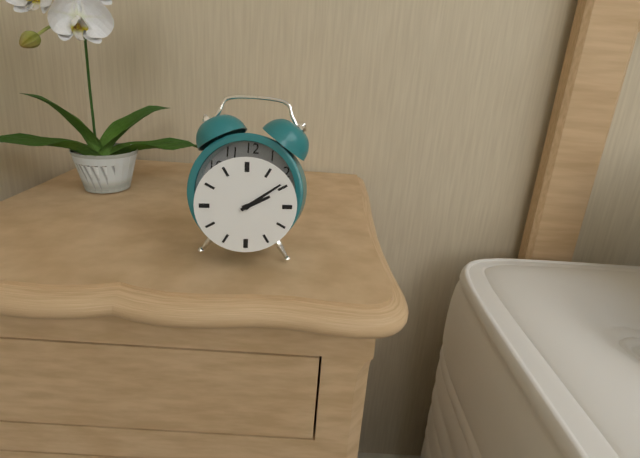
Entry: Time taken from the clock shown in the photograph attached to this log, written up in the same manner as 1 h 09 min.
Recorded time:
2 h 09 min
